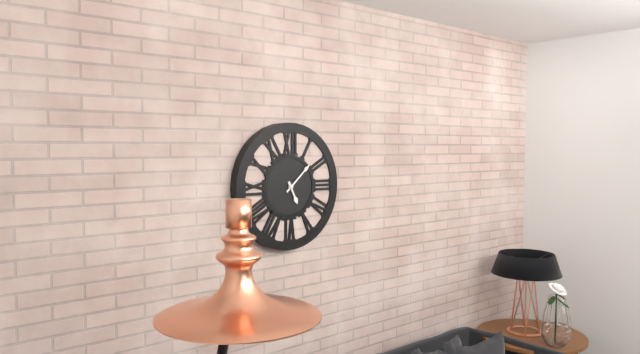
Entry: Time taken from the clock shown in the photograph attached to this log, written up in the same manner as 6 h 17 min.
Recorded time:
5 h 08 min
